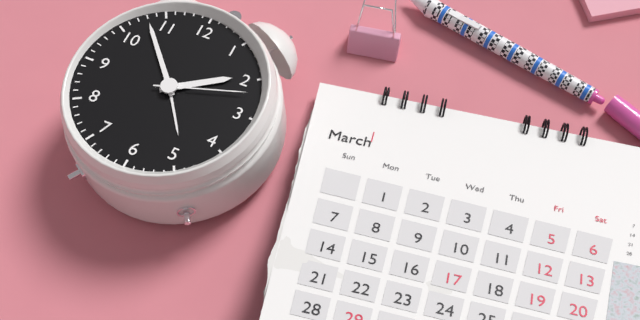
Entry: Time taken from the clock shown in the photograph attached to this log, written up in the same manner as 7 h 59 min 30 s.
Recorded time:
1 h 53 min 12 s
